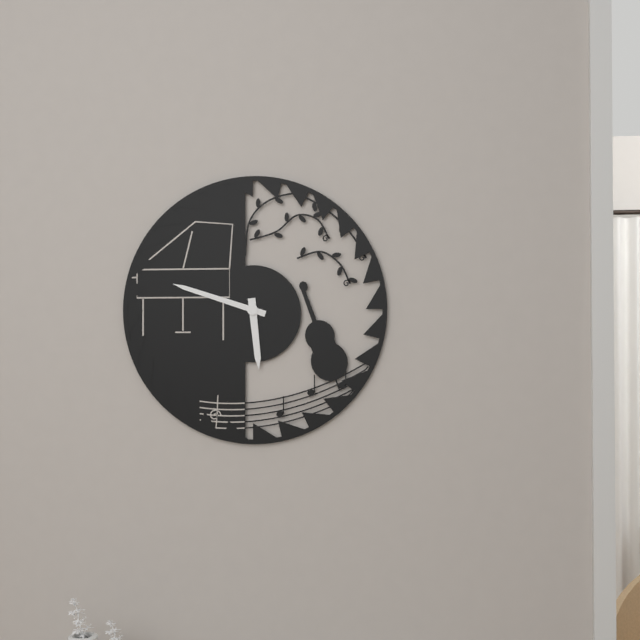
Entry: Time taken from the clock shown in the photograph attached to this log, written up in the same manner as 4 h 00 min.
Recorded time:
5 h 48 min
